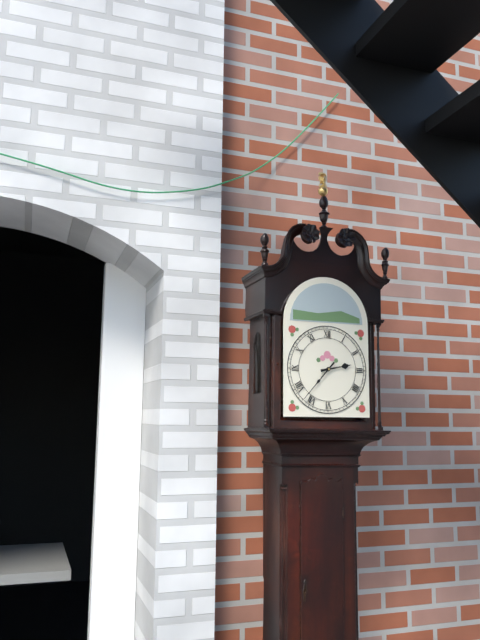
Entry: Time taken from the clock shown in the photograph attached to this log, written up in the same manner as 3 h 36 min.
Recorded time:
2 h 37 min
